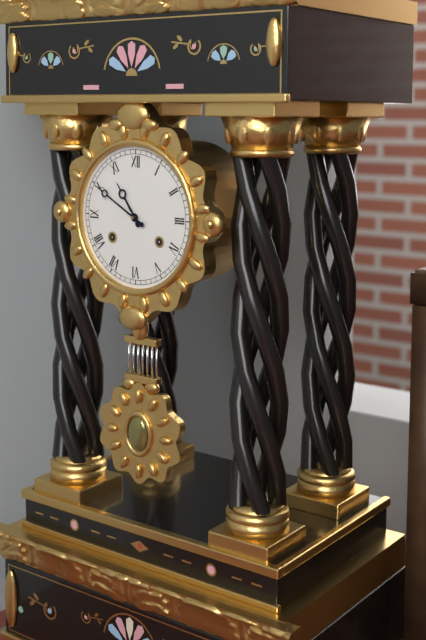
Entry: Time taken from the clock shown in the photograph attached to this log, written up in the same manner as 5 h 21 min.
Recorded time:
10 h 50 min
